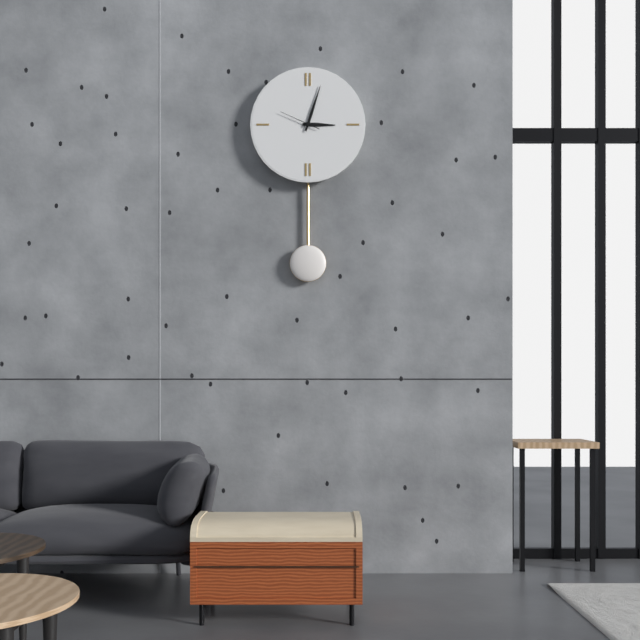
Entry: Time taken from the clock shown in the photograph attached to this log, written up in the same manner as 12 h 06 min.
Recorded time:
3 h 03 min
